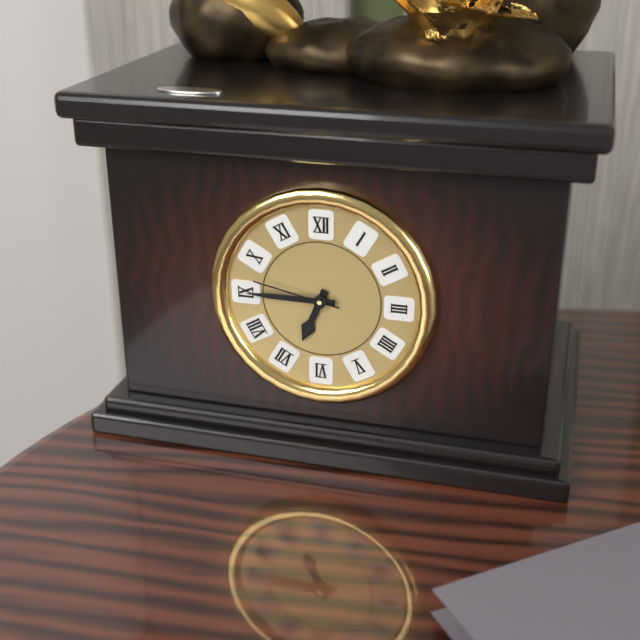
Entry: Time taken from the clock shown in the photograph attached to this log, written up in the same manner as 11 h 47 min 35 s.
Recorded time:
6 h 45 min 47 s
